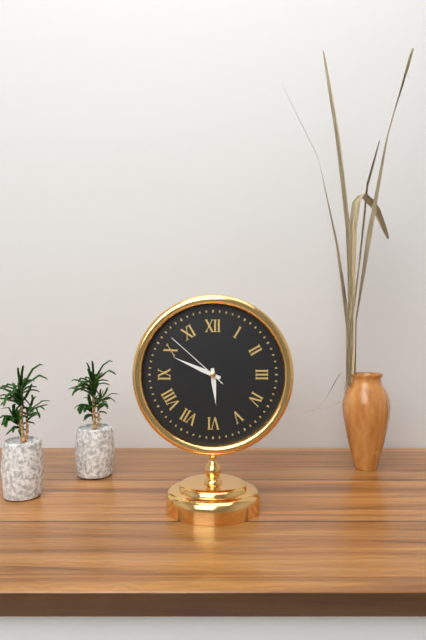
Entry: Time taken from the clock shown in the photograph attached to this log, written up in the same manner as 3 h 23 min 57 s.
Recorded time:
5 h 49 min 52 s
